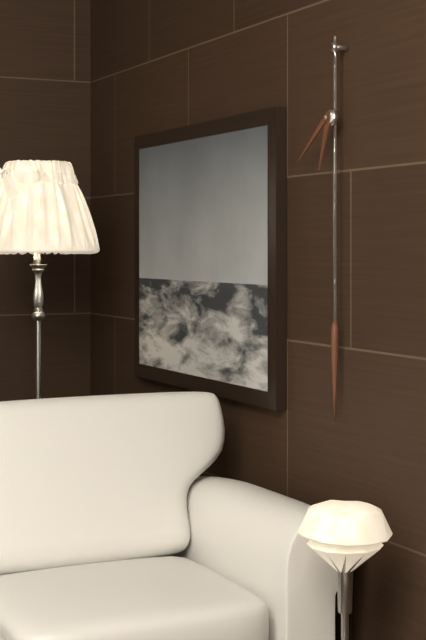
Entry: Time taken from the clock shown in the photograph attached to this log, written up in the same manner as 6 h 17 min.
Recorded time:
6 h 39 min
